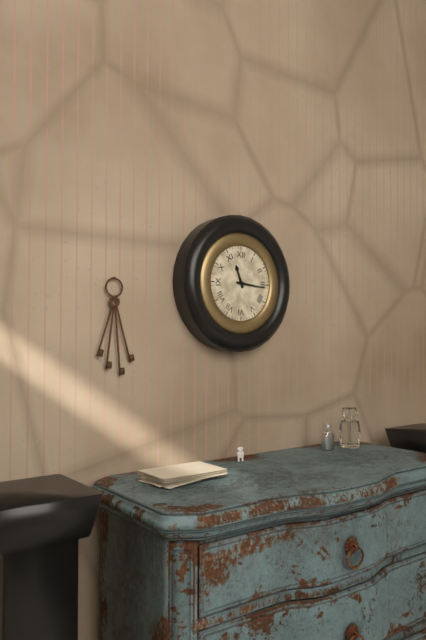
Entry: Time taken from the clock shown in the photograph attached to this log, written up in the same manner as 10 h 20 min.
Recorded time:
11 h 16 min
